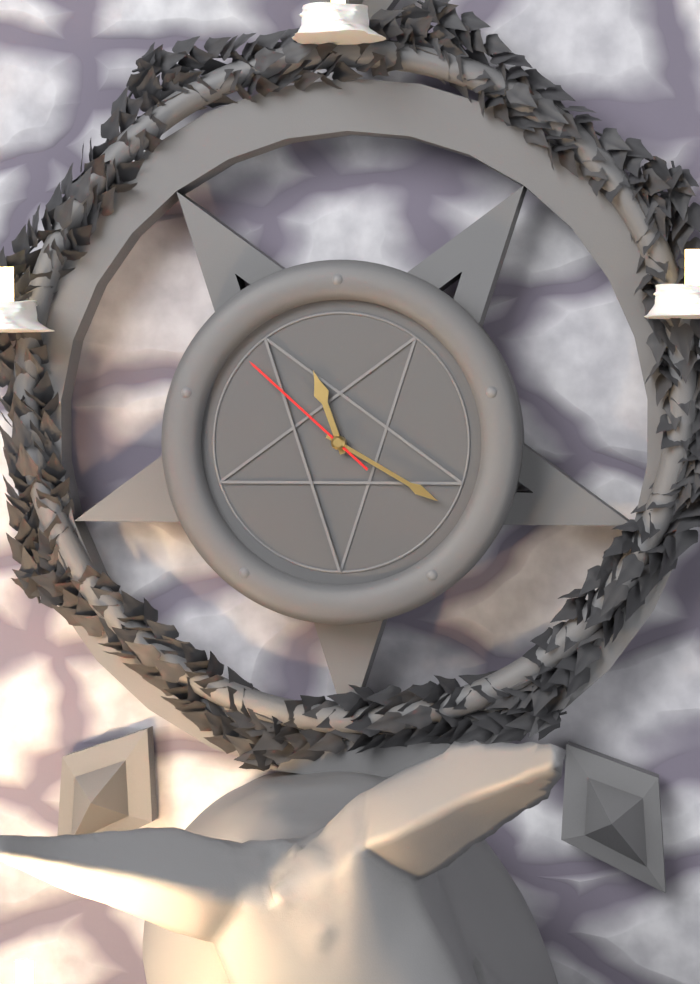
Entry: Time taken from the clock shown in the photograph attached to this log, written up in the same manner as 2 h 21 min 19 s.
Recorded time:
11 h 20 min 52 s
